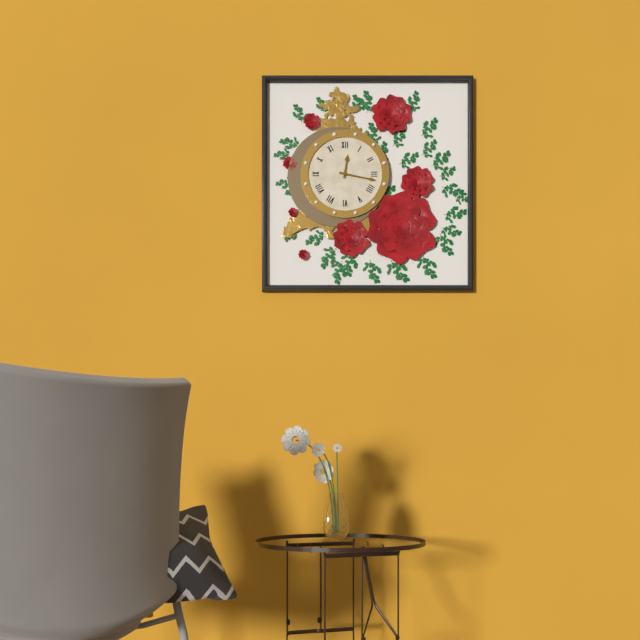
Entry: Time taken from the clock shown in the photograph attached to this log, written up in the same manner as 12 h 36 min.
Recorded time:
12 h 17 min
